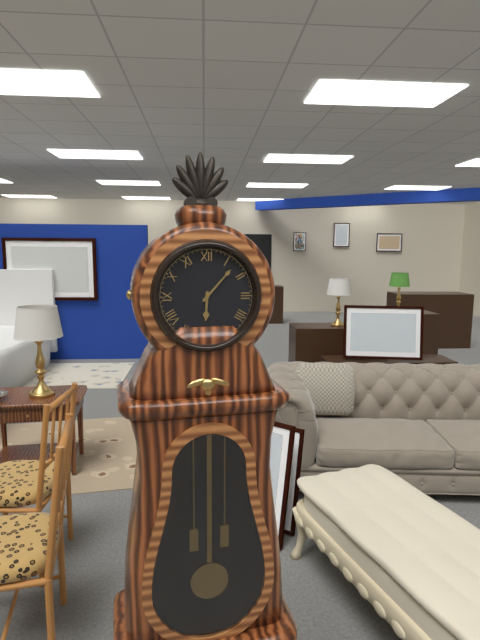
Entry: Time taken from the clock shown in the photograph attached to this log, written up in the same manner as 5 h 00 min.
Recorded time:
6 h 07 min
